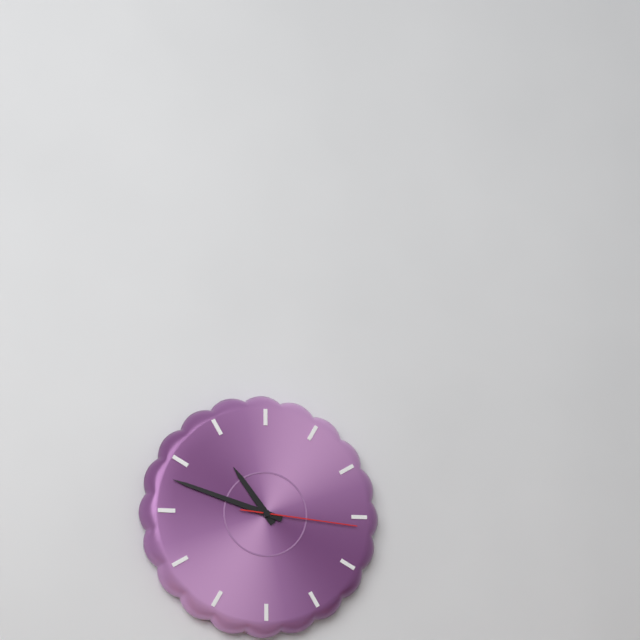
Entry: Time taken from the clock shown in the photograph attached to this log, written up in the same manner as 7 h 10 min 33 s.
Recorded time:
10 h 48 min 16 s
